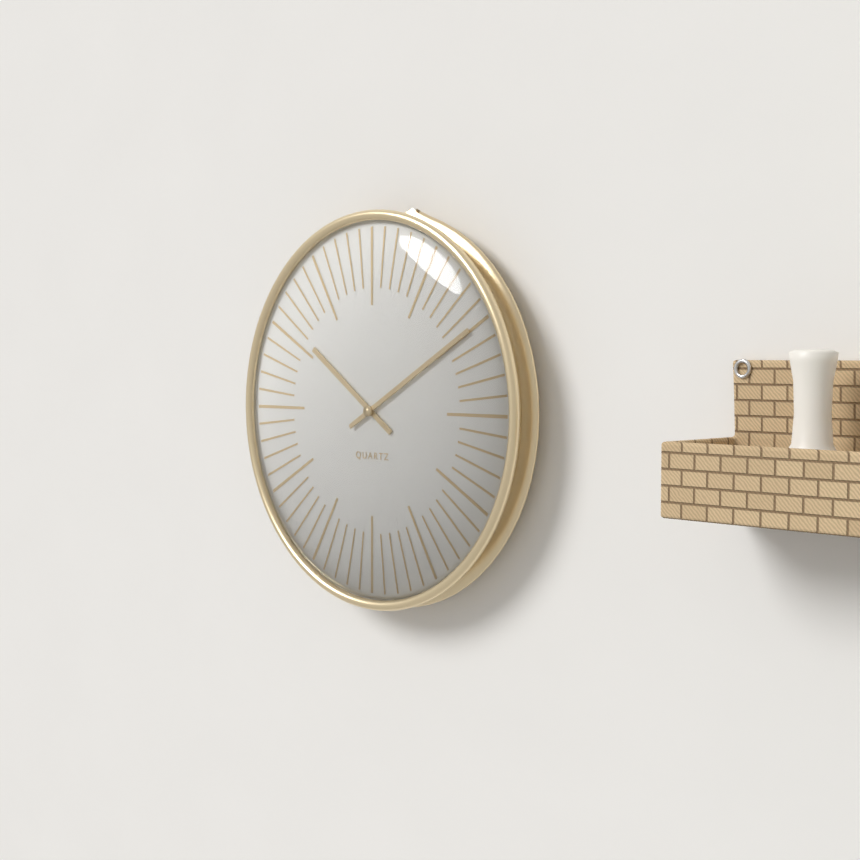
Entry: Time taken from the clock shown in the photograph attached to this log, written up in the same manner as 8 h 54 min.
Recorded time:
10 h 10 min
